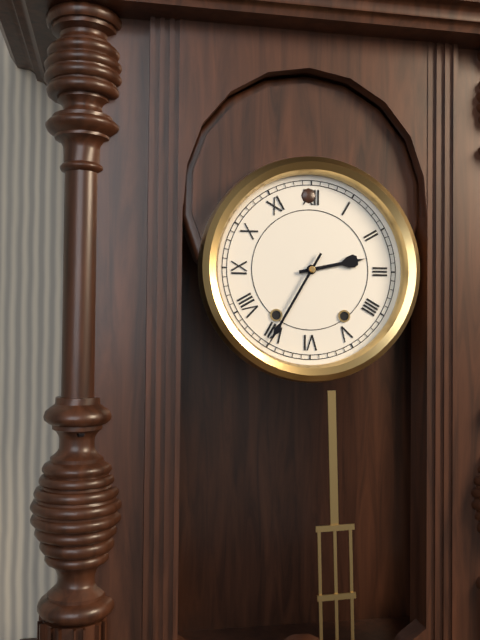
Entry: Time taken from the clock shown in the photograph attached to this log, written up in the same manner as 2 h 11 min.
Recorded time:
2 h 35 min
